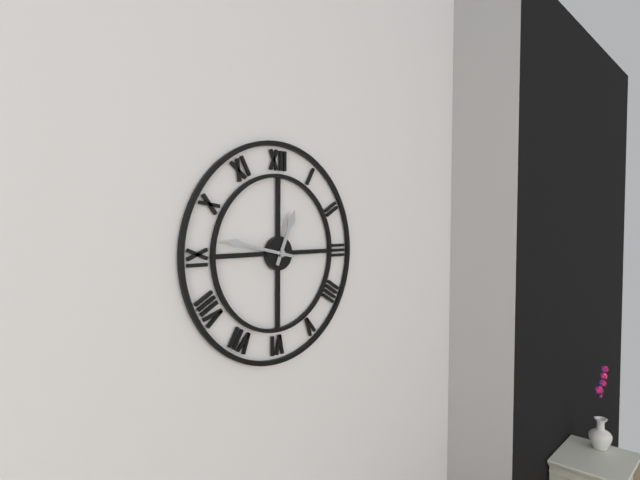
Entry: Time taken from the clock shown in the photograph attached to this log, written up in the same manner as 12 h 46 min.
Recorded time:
12 h 47 min
